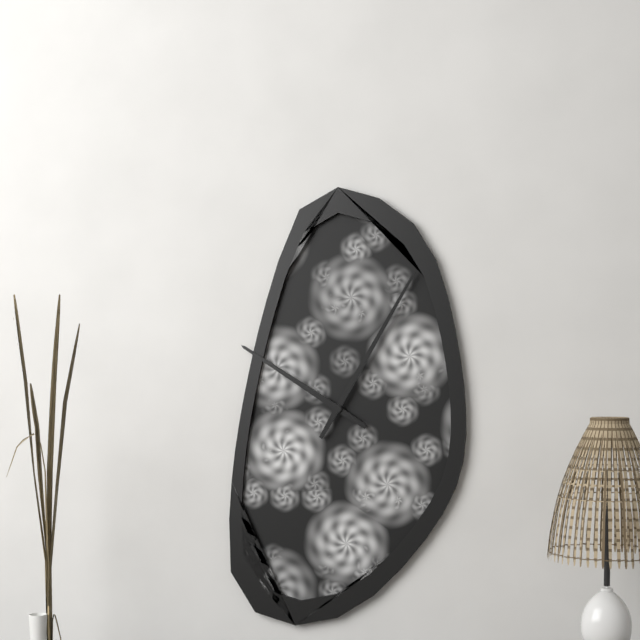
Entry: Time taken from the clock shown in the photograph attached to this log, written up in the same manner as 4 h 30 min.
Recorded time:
10 h 05 min
